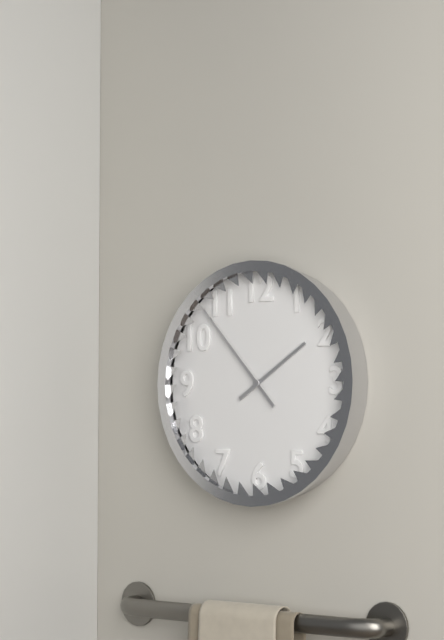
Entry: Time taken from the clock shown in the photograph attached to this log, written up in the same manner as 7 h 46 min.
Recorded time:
1 h 53 min
